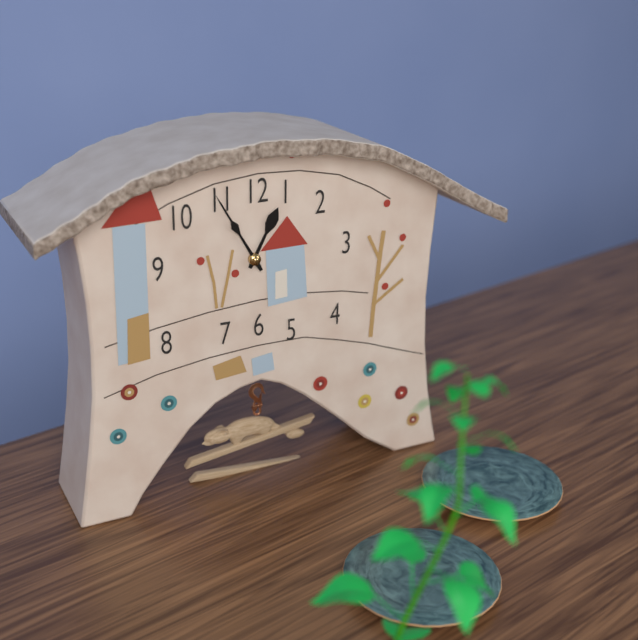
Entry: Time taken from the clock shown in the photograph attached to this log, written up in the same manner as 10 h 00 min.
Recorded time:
12 h 55 min
